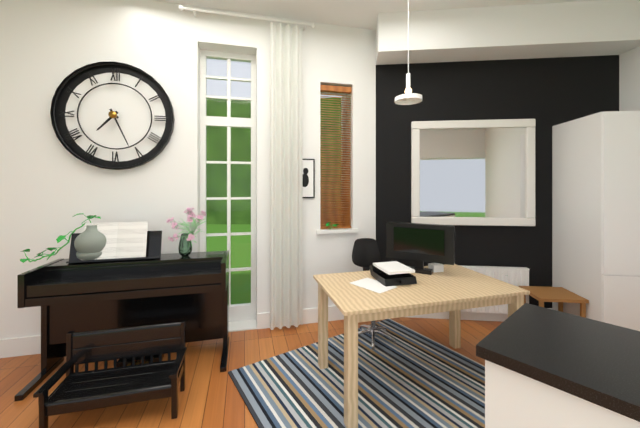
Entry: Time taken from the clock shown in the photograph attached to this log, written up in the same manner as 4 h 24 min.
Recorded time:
7 h 26 min
